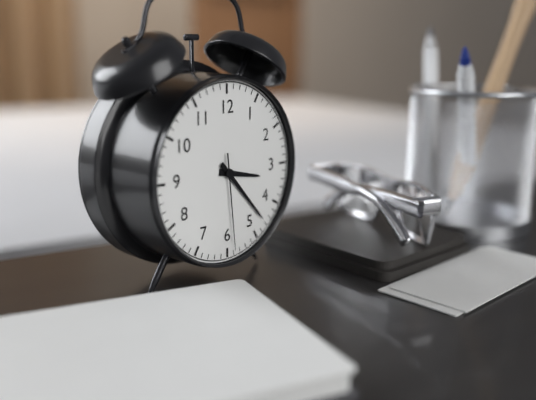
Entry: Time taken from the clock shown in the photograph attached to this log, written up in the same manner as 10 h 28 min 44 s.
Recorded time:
3 h 23 min 29 s
